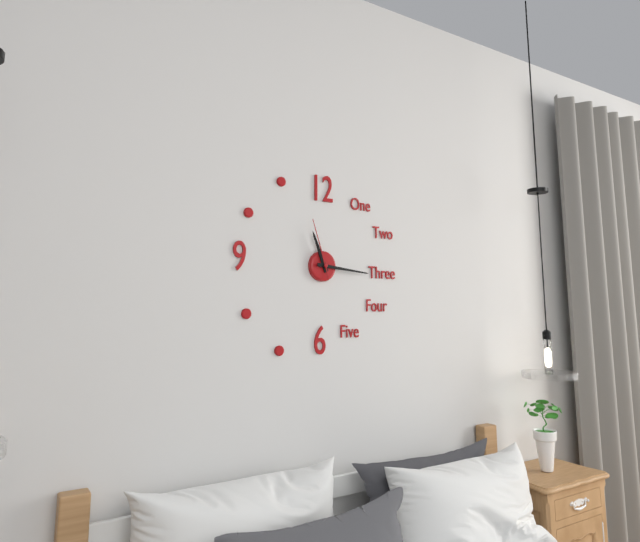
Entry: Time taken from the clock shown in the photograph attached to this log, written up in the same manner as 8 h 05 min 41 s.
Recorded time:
11 h 16 min 57 s
